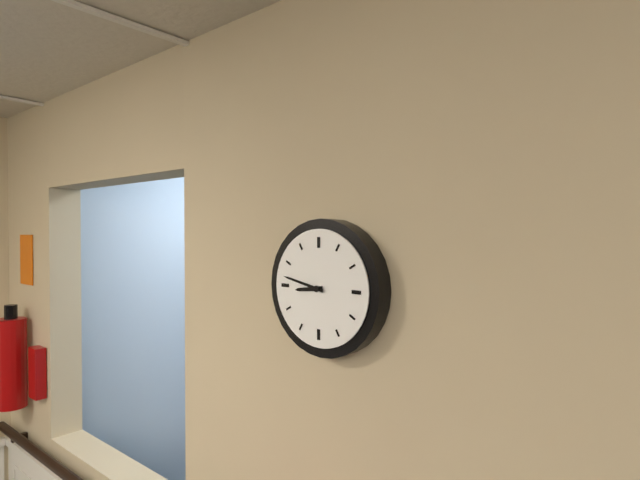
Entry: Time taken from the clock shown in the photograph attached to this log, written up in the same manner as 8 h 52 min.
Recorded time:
8 h 47 min
